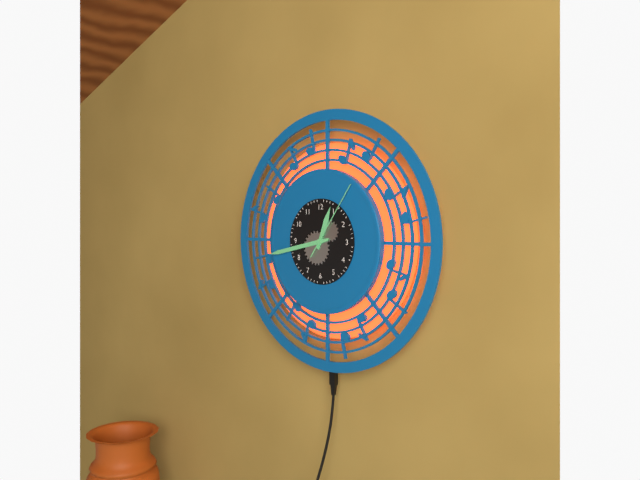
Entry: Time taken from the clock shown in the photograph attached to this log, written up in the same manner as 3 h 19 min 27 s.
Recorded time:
12 h 43 min 06 s
